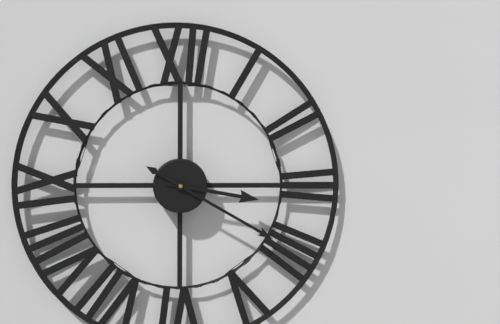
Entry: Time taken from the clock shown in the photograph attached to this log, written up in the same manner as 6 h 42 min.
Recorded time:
3 h 20 min
